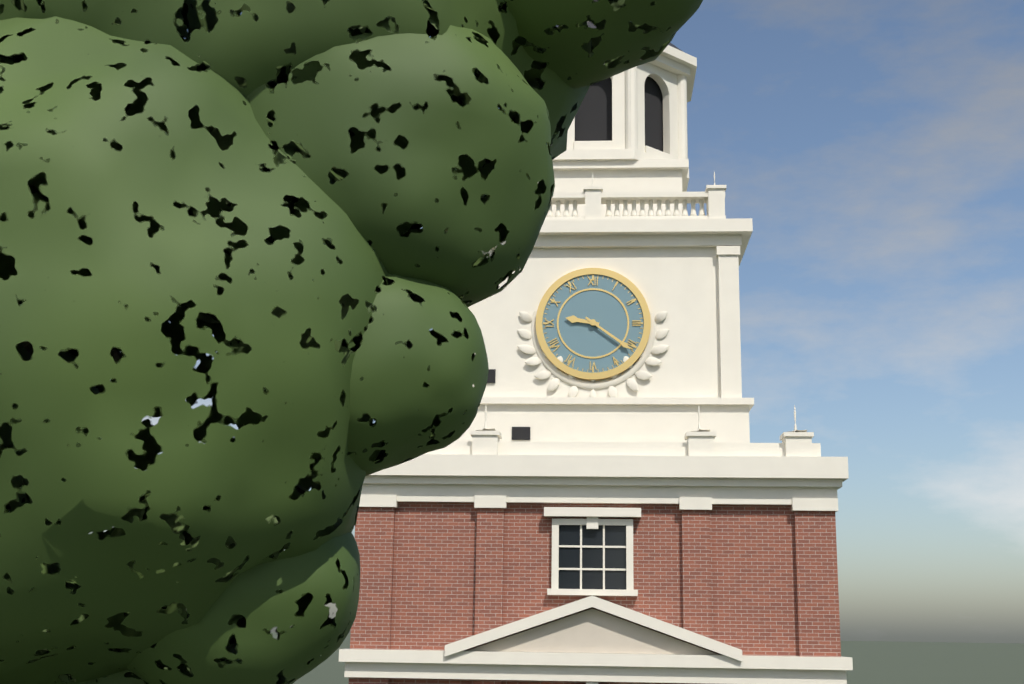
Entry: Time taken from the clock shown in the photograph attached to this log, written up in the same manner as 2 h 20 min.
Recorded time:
9 h 21 min
